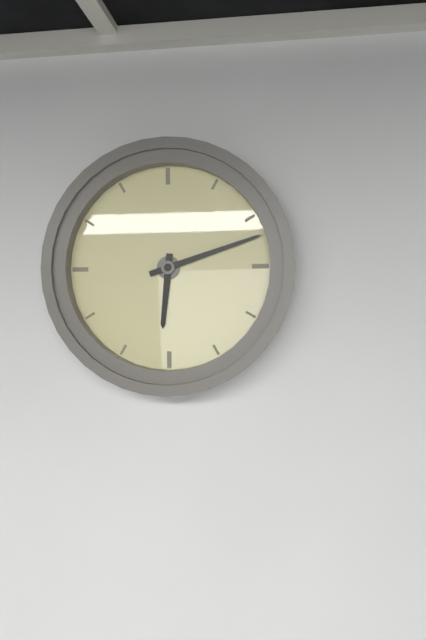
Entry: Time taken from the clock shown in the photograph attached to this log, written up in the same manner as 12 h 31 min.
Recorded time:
6 h 12 min
